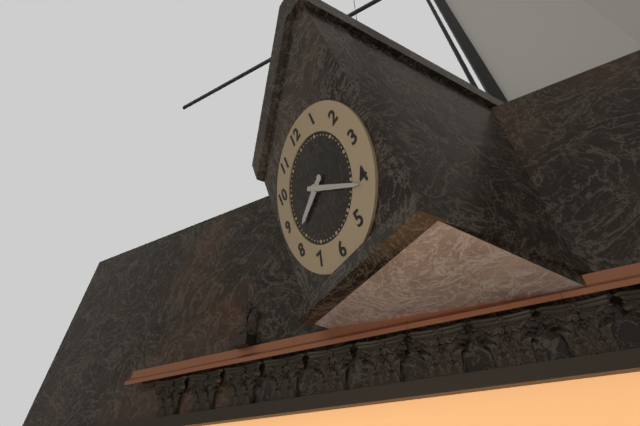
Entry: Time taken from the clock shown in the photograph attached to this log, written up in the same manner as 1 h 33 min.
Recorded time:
8 h 21 min
